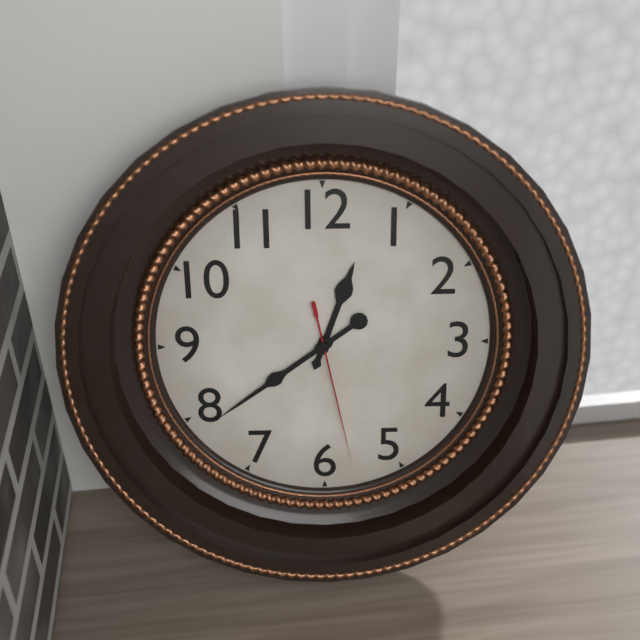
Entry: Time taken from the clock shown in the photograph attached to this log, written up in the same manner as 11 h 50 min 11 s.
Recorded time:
12 h 39 min 28 s
